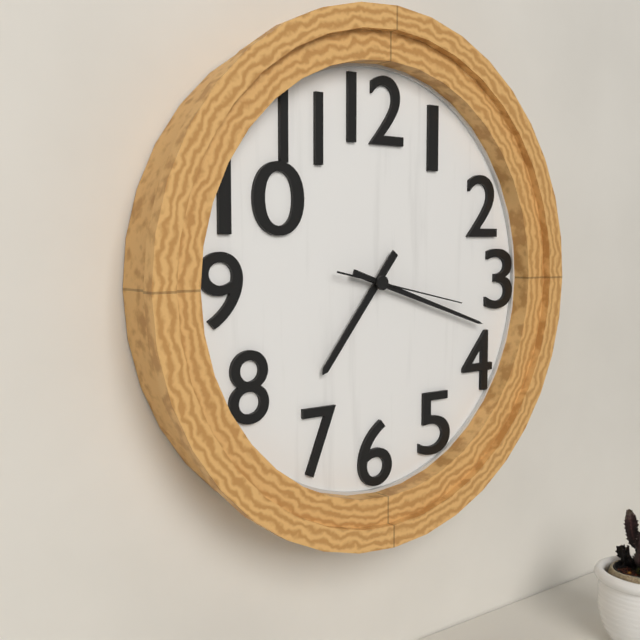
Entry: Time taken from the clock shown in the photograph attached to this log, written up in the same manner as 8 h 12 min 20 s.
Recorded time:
7 h 18 min 17 s
